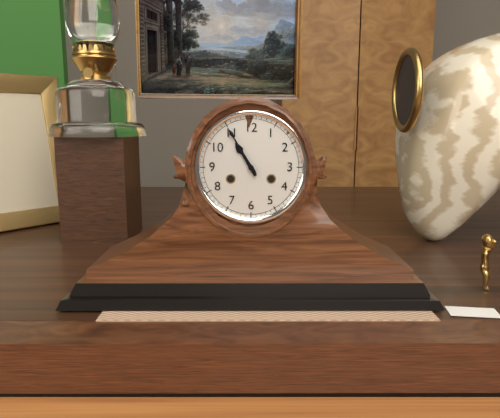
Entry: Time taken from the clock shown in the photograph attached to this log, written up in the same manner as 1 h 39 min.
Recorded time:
10 h 55 min
